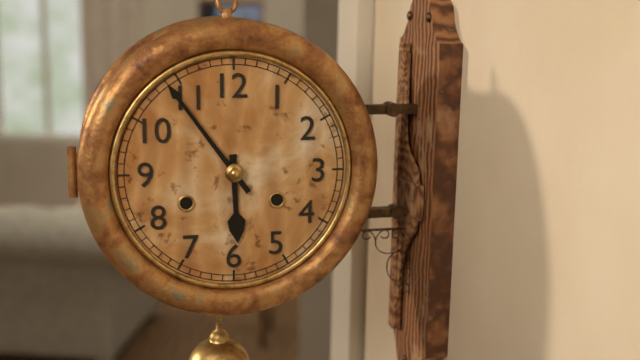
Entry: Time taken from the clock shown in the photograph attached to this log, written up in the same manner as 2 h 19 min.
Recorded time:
5 h 54 min
